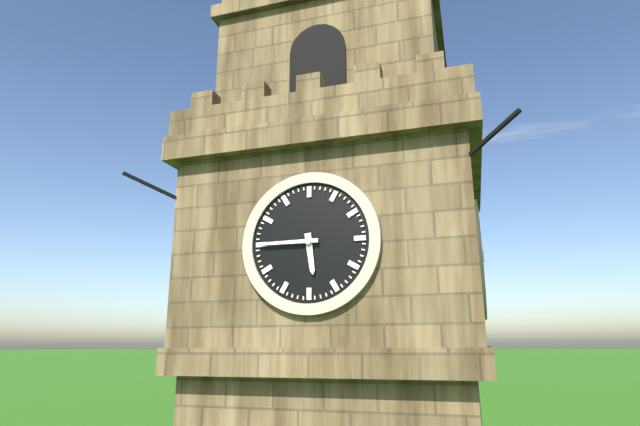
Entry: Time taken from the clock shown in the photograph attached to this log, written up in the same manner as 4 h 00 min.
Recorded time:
5 h 45 min
